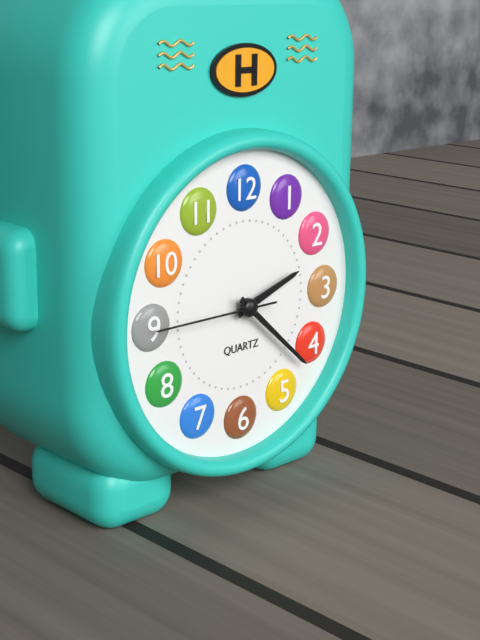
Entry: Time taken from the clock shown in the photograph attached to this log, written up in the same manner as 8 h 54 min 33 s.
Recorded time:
2 h 22 min 45 s
